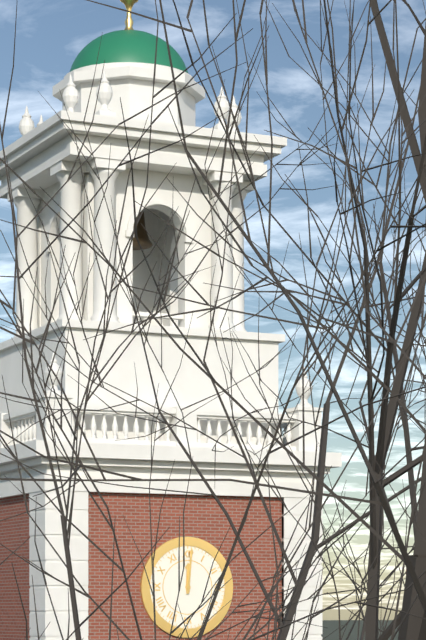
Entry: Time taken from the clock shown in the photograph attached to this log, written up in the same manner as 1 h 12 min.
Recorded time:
12 h 01 min
